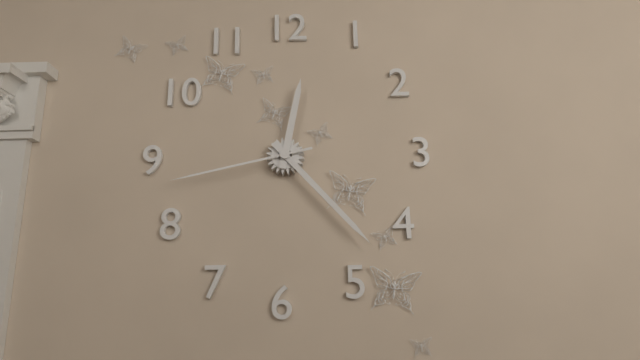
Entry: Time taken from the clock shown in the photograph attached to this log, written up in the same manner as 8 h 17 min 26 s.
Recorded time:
12 h 23 min 43 s
